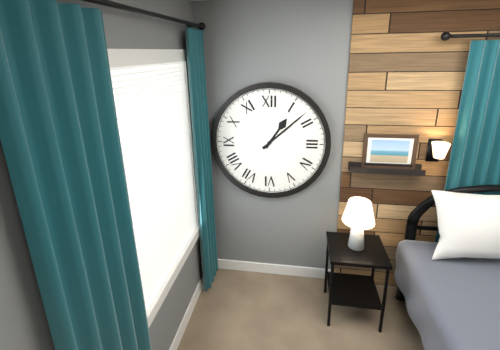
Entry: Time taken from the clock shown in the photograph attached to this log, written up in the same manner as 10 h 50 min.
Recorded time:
1 h 08 min
